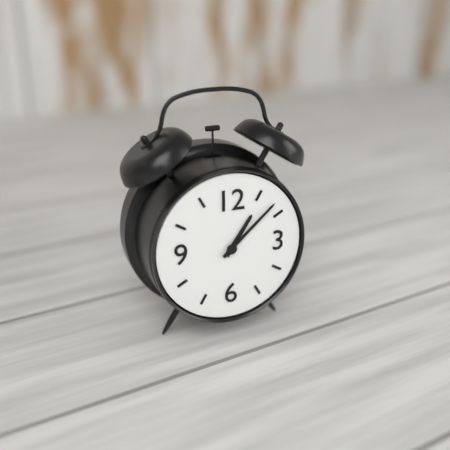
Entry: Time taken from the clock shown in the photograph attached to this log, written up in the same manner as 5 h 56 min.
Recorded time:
1 h 08 min
